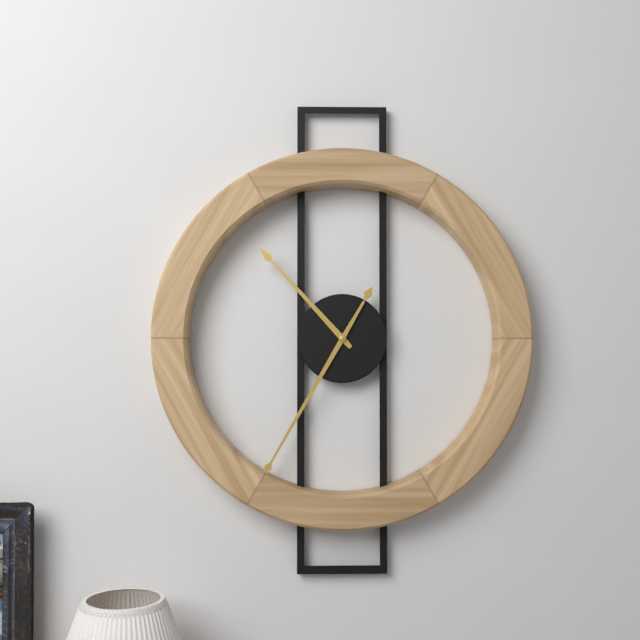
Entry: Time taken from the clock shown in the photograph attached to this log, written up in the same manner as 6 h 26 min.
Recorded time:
10 h 35 min
